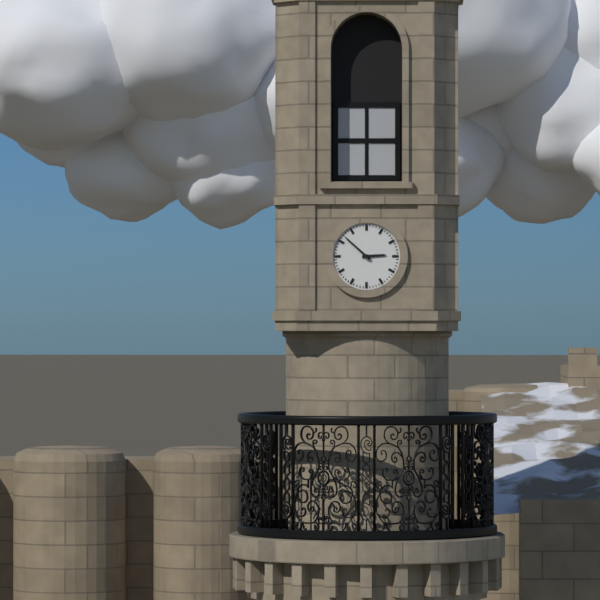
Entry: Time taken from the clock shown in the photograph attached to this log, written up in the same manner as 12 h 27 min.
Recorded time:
2 h 52 min
